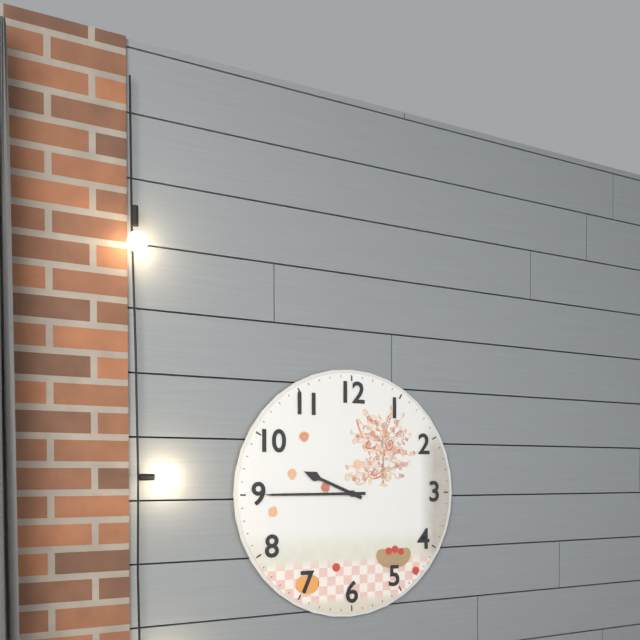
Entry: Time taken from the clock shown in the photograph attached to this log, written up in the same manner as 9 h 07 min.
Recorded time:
9 h 45 min
